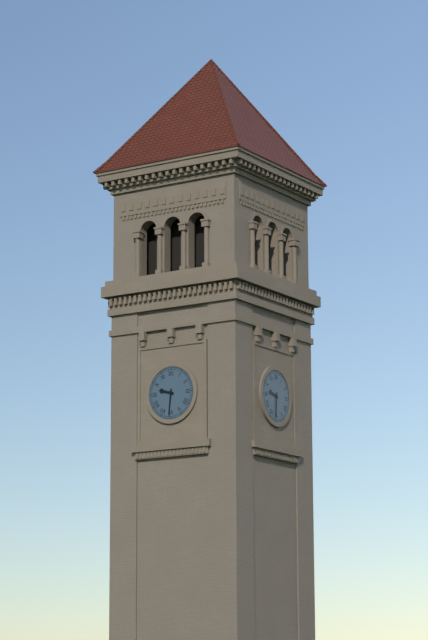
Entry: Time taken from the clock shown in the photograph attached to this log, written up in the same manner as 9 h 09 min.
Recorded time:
9 h 31 min
